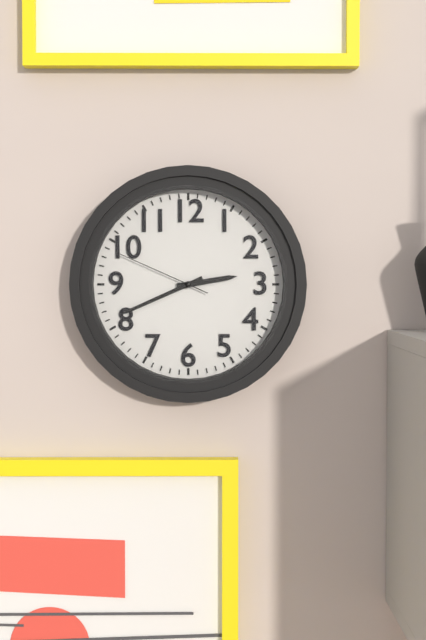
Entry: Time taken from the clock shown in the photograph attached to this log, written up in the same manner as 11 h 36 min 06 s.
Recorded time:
2 h 41 min 49 s
